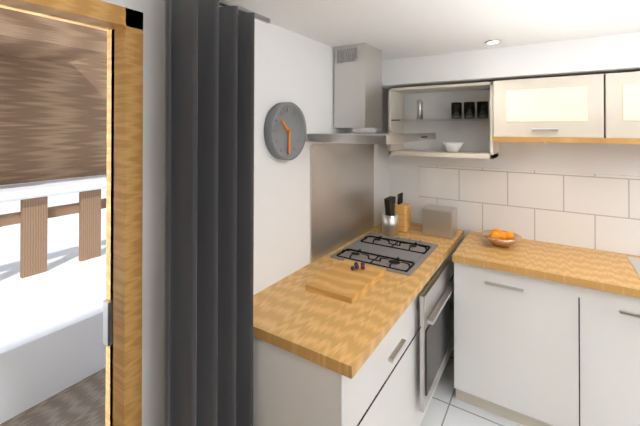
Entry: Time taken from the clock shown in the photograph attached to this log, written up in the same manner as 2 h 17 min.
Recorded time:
10 h 30 min
